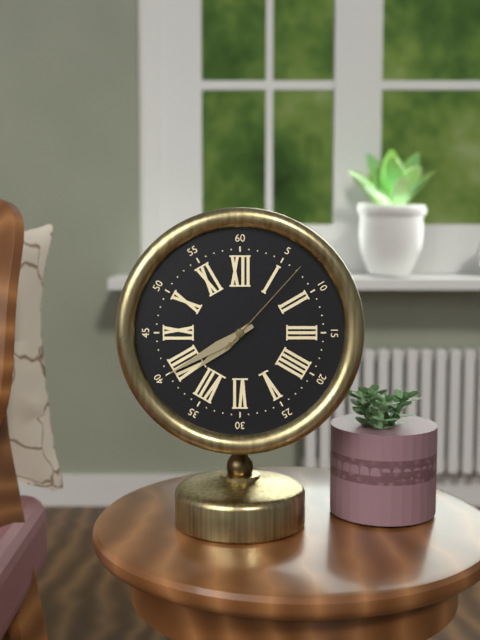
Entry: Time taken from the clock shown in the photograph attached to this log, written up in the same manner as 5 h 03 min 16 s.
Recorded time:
7 h 40 min 07 s
